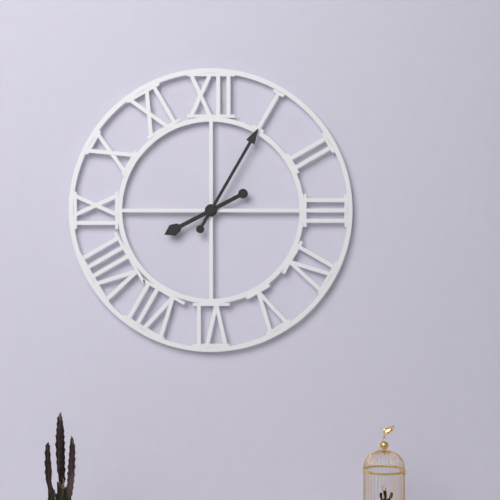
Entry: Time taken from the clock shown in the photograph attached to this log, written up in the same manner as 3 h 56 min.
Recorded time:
8 h 05 min
